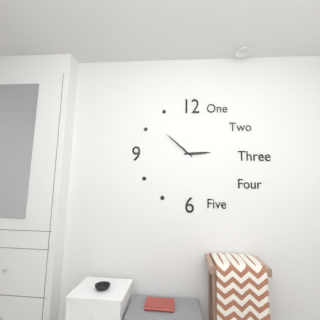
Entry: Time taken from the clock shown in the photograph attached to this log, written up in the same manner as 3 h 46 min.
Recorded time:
2 h 52 min
